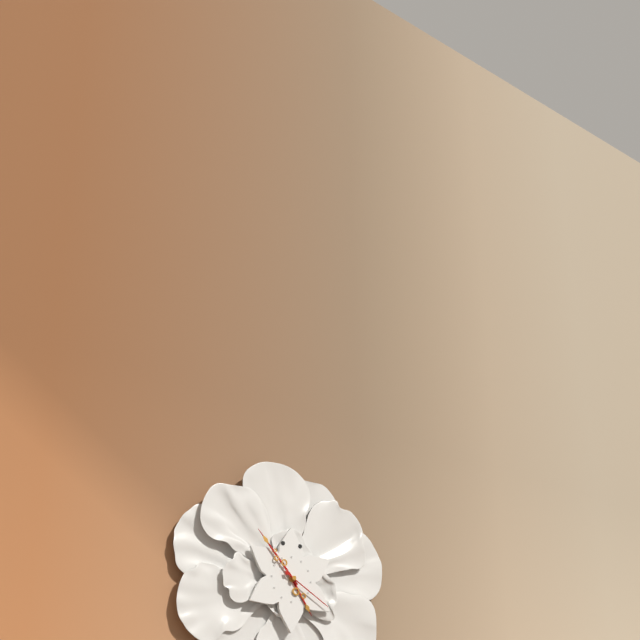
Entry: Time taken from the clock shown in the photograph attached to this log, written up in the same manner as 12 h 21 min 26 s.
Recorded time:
4 h 53 min 20 s
